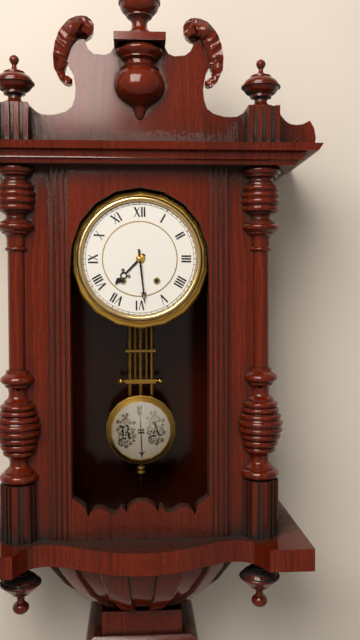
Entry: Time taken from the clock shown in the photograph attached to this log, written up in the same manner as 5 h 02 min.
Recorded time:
7 h 29 min
